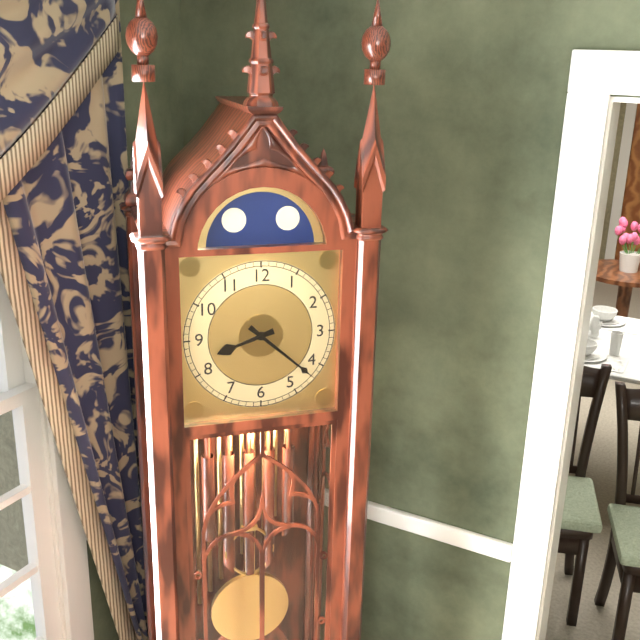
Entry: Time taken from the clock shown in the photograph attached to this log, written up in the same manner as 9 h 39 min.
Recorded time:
8 h 22 min
